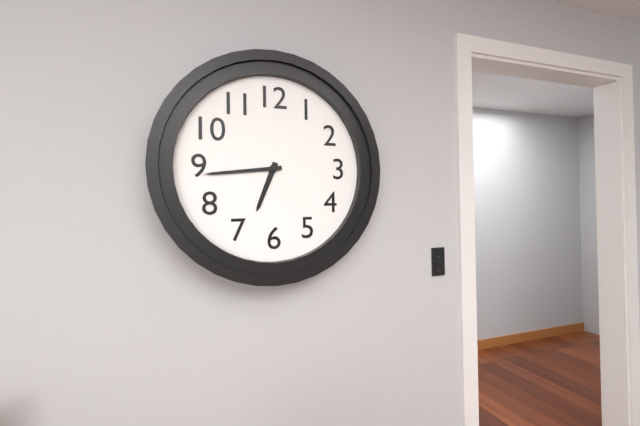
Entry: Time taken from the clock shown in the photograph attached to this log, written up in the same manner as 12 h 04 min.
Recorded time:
6 h 44 min
